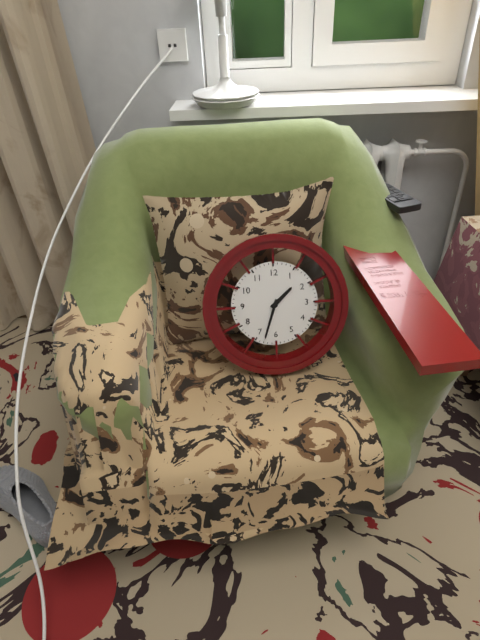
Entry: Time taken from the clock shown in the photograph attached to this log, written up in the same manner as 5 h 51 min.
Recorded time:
1 h 33 min
